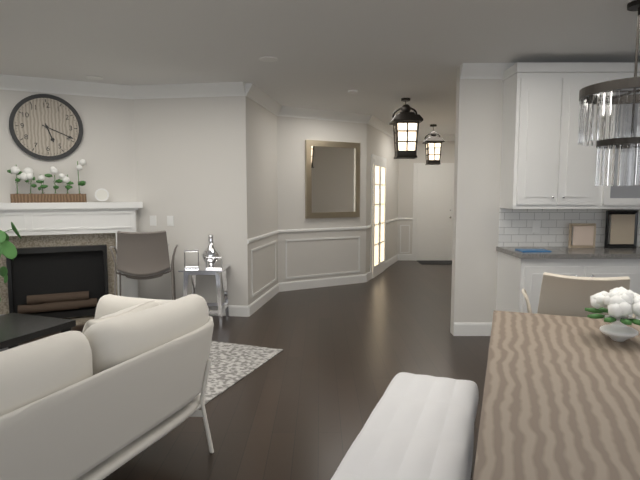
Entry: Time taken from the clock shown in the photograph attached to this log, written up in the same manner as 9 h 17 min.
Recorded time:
5 h 19 min
